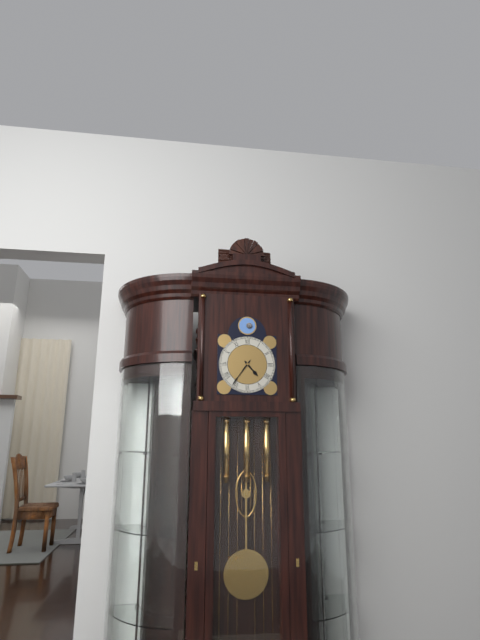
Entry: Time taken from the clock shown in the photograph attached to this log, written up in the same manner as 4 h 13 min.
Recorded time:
4 h 36 min
